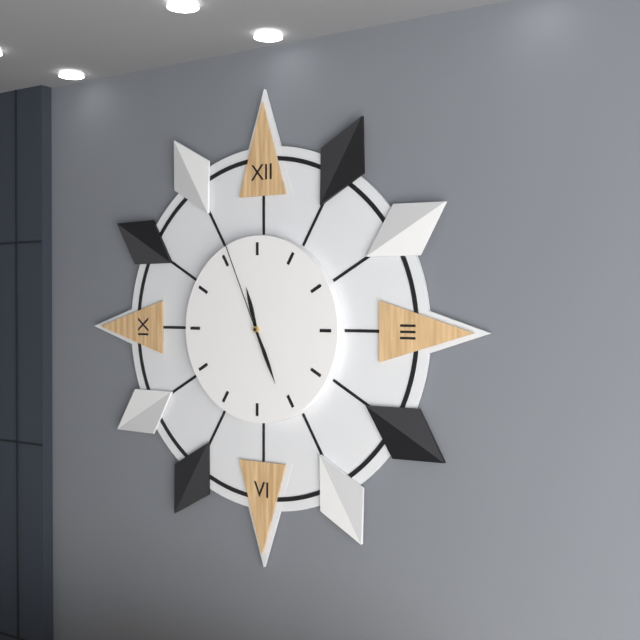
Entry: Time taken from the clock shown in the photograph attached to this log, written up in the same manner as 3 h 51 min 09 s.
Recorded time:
11 h 26 min 56 s
